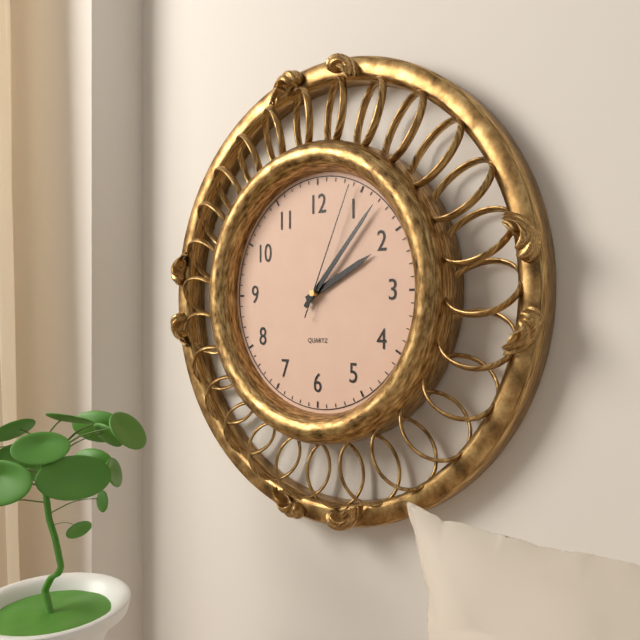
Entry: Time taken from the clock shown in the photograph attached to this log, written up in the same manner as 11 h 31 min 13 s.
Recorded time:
2 h 07 min 04 s
